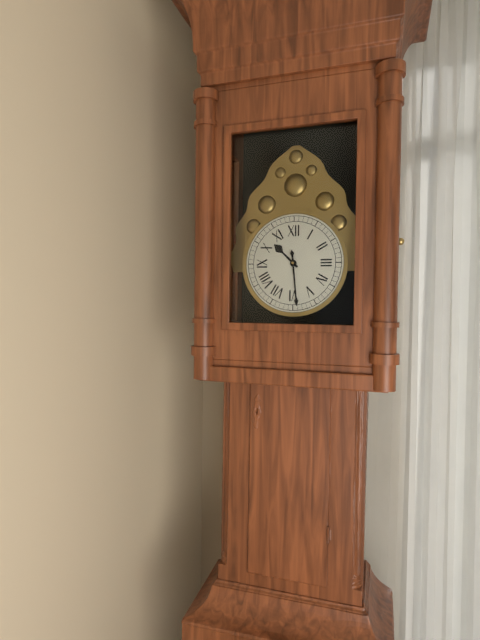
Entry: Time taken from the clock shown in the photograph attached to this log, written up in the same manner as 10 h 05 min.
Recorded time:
10 h 29 min
